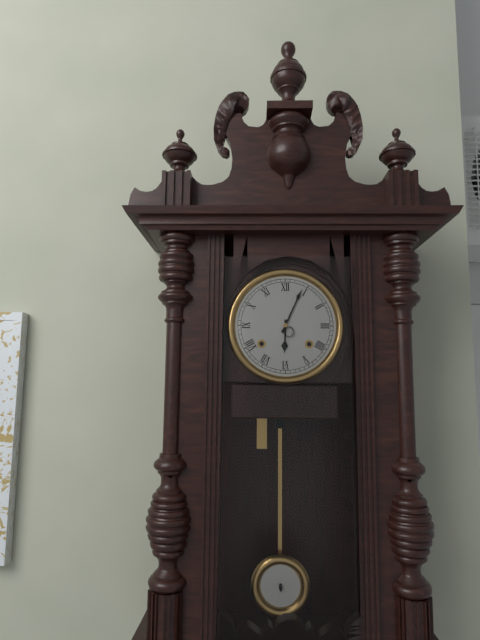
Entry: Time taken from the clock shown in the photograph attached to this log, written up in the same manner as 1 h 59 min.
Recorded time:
6 h 04 min
